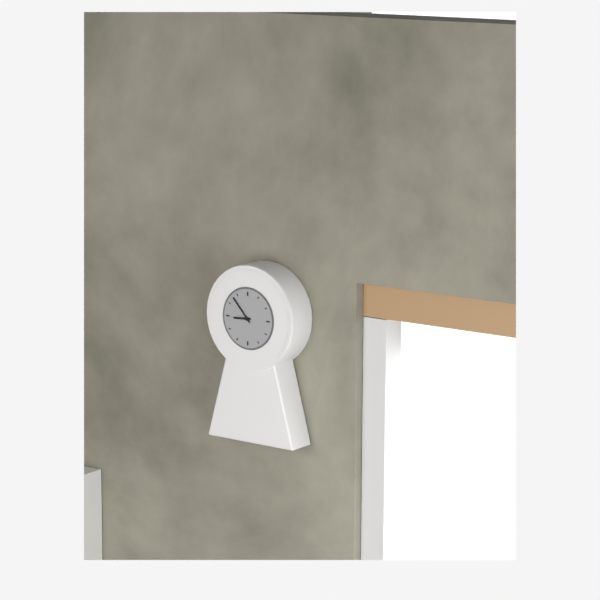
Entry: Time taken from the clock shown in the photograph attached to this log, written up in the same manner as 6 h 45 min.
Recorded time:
8 h 53 min
